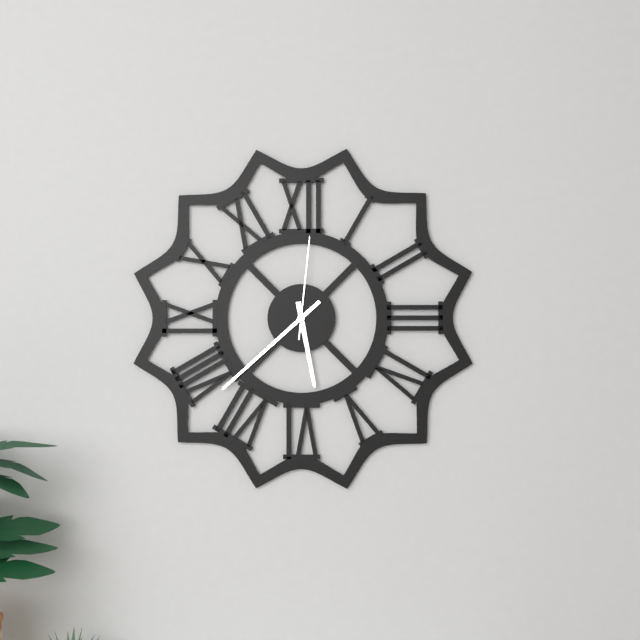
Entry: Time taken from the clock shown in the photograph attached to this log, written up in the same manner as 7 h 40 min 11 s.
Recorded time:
5 h 38 min 01 s
